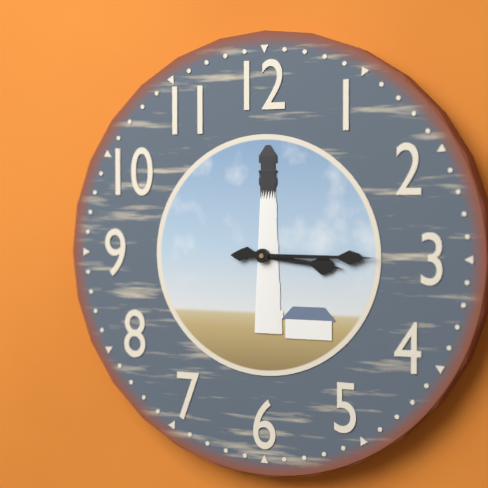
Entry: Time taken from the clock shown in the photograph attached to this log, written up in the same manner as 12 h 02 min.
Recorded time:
3 h 15 min
